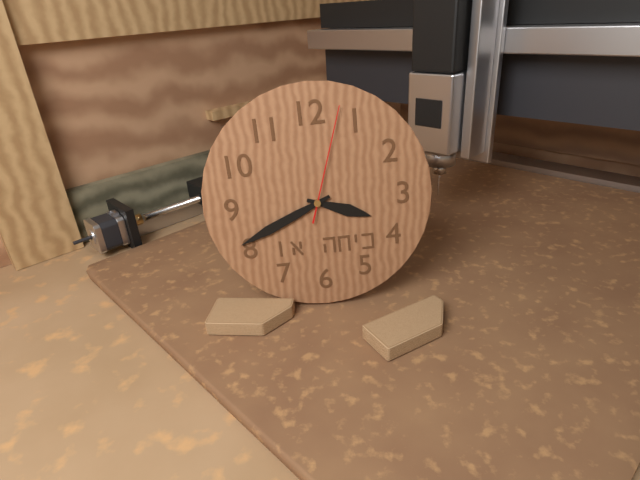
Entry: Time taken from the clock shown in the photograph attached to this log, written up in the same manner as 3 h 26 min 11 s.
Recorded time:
3 h 41 min 03 s
